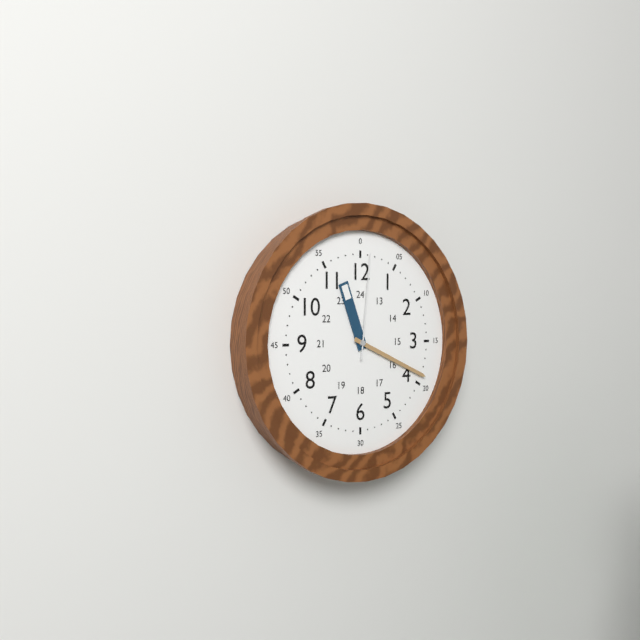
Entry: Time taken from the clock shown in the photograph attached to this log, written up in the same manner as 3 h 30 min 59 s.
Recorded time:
11 h 19 min 01 s
